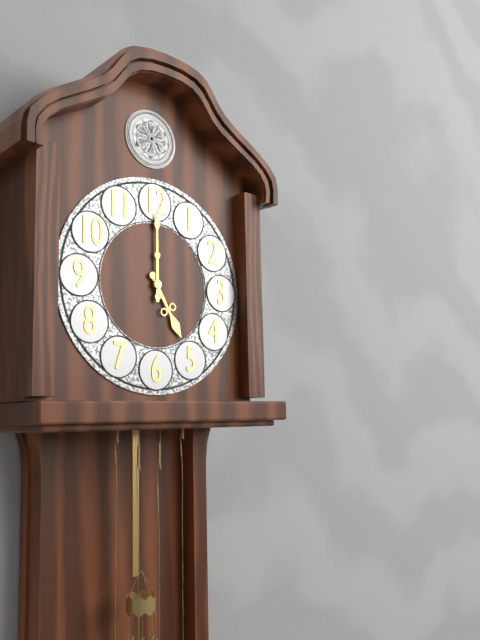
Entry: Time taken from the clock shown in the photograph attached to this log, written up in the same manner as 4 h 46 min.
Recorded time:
5 h 00 min
